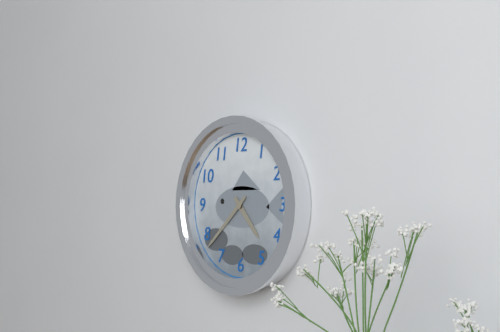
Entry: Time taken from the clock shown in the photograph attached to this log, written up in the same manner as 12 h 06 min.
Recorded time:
4 h 38 min
